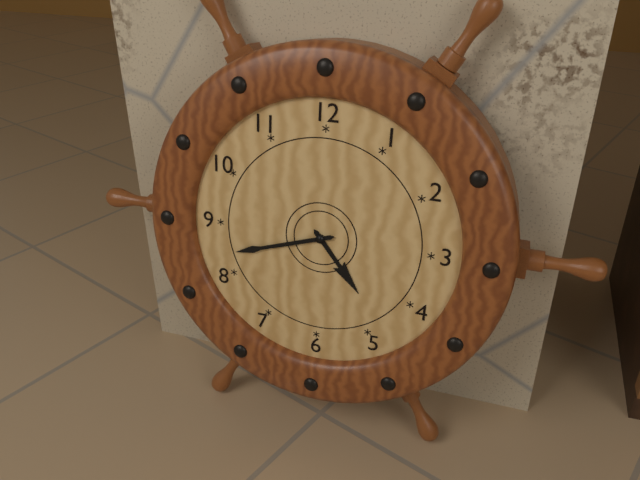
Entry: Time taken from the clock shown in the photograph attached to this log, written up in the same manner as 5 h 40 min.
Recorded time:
4 h 42 min
